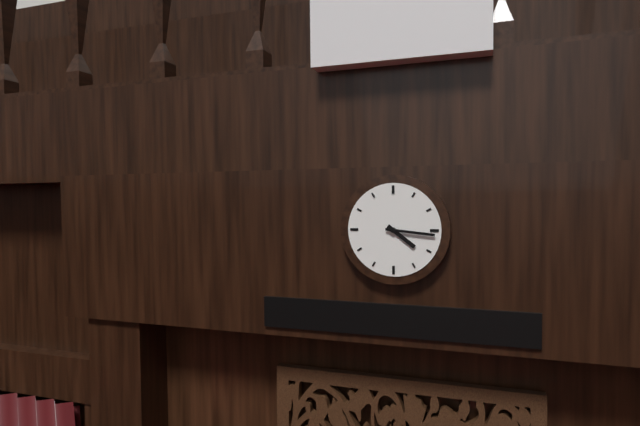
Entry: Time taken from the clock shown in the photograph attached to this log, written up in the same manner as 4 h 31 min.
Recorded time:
4 h 16 min
